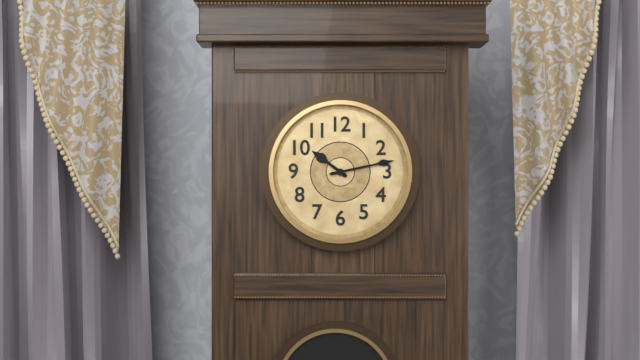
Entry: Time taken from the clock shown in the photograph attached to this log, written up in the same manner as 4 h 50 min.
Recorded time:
10 h 13 min
